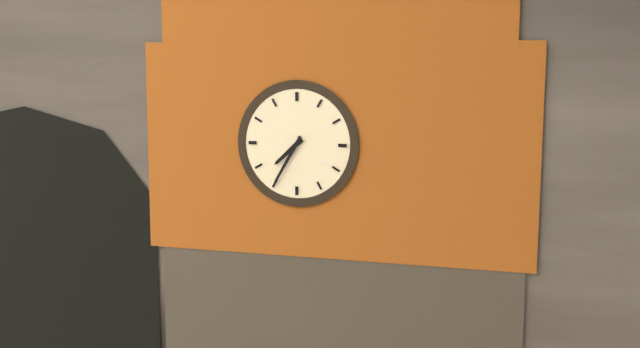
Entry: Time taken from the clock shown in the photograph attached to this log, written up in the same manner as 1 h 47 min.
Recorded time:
7 h 35 min
